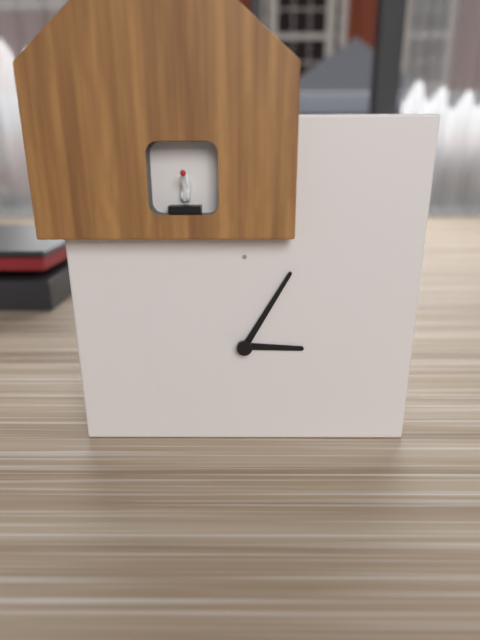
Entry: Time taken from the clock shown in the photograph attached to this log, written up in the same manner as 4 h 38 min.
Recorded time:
3 h 05 min
